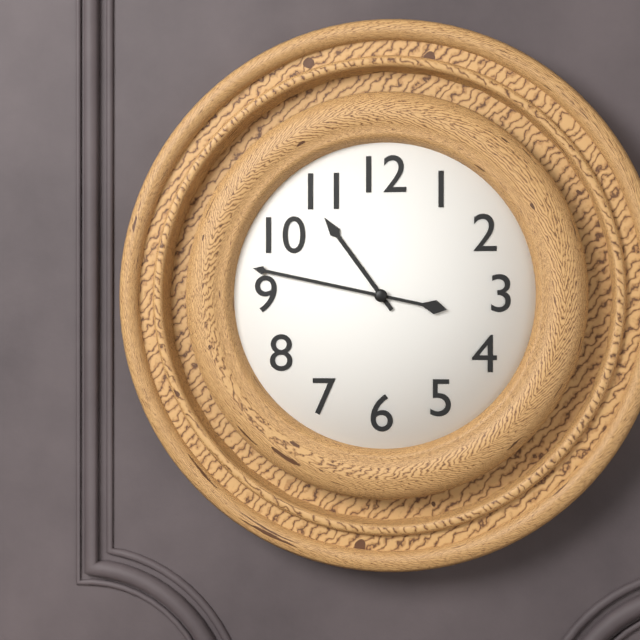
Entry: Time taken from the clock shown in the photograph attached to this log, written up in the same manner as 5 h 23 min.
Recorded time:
10 h 47 min
